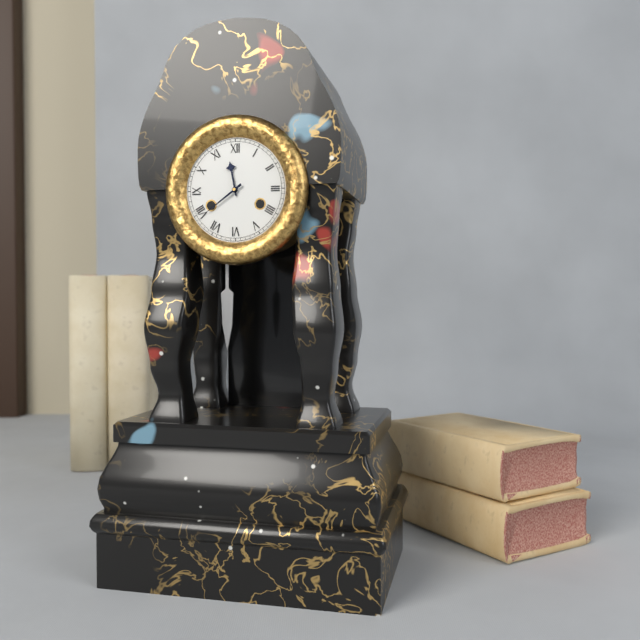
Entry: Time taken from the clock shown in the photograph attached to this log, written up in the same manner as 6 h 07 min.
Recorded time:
11 h 39 min
